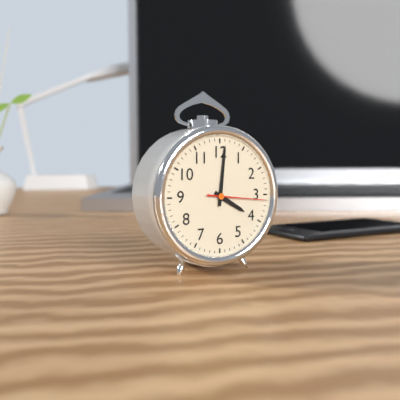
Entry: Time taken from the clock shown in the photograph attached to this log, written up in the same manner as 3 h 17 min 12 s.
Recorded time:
4 h 01 min 16 s
